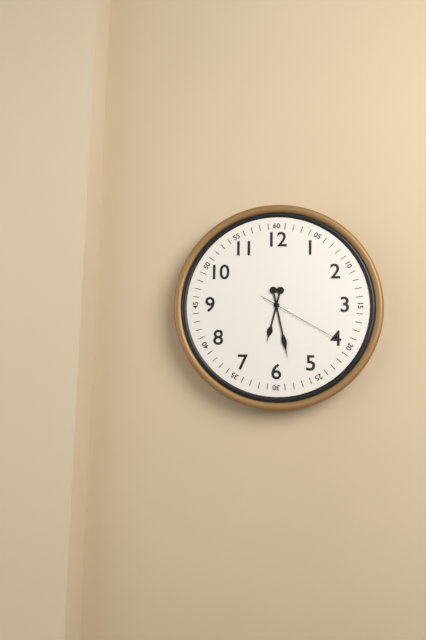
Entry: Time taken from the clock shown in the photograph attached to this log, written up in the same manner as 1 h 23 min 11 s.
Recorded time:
6 h 28 min 20 s
